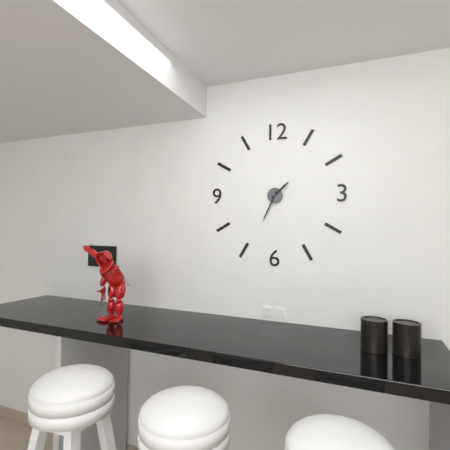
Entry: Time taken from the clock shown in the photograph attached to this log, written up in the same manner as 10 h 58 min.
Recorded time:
1 h 34 min
